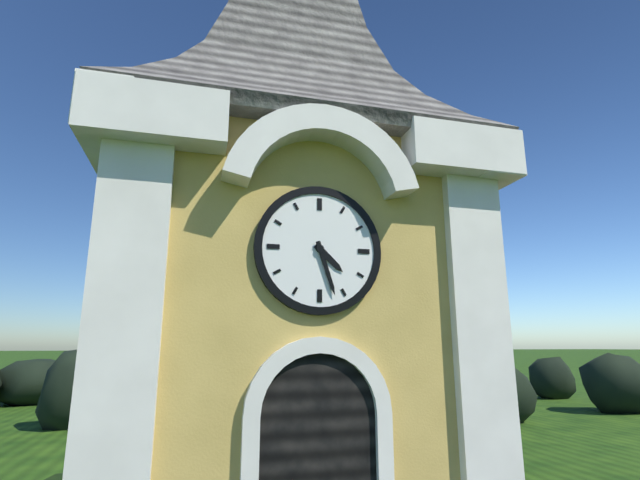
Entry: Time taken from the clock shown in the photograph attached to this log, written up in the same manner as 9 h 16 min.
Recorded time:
4 h 27 min
